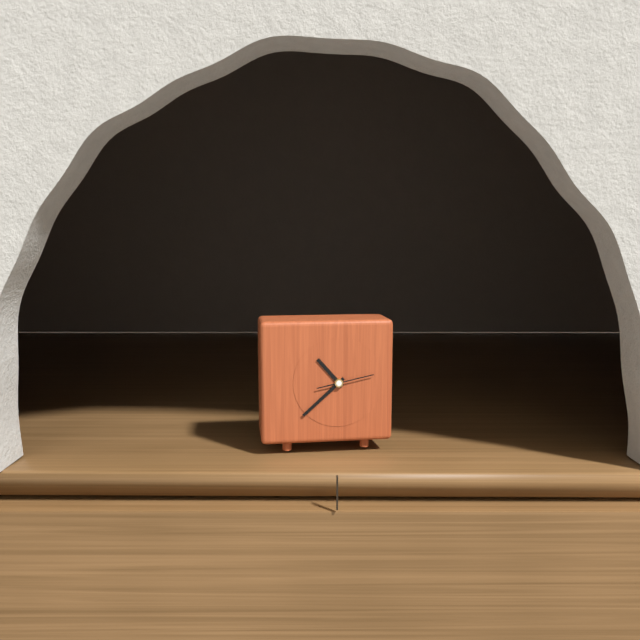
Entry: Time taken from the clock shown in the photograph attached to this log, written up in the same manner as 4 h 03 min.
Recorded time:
10 h 38 min
